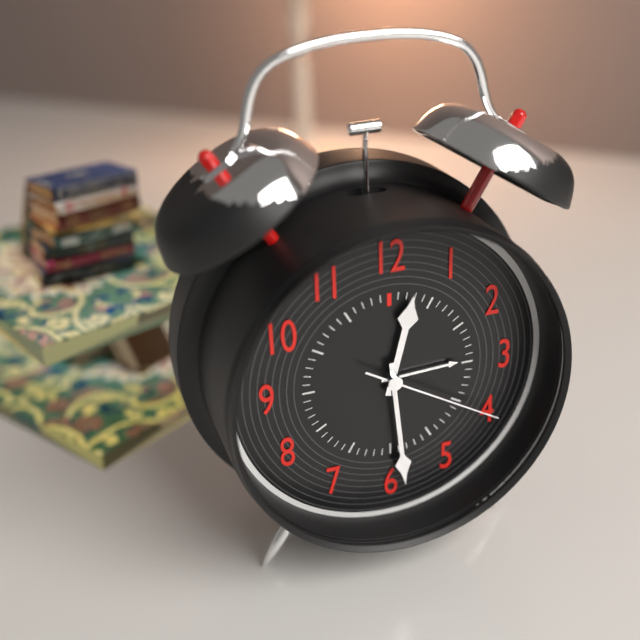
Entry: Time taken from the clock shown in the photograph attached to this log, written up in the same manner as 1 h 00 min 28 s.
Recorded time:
12 h 29 min 20 s
